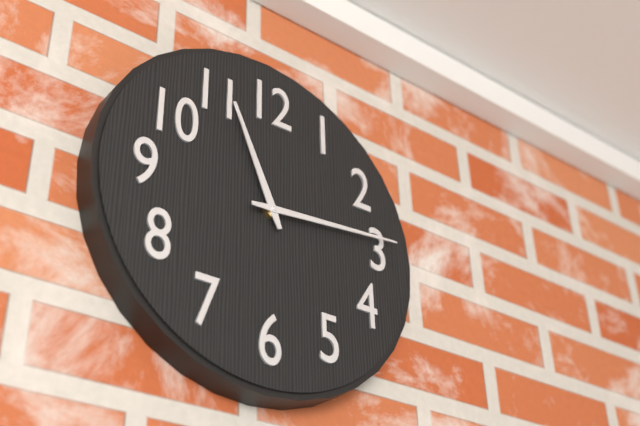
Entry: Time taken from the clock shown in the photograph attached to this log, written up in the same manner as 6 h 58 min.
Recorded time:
11 h 14 min
